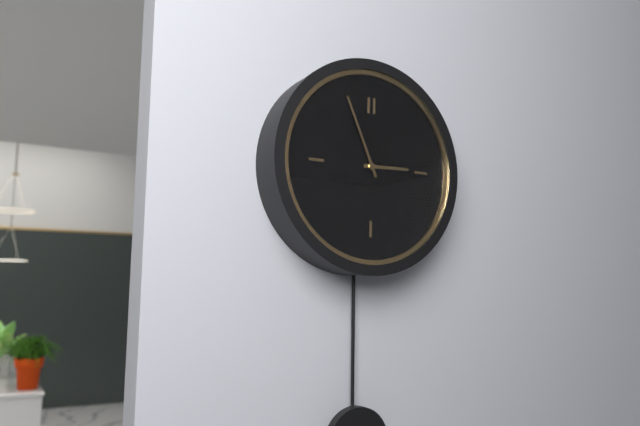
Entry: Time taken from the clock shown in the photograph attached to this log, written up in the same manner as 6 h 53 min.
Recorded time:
2 h 56 min
